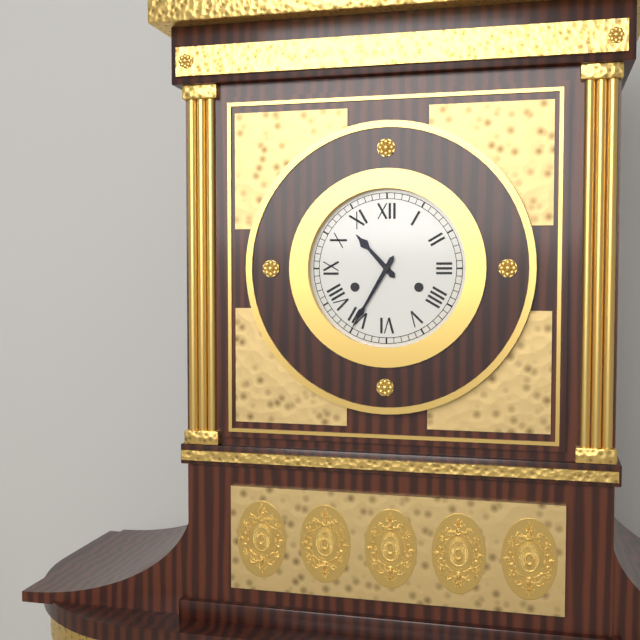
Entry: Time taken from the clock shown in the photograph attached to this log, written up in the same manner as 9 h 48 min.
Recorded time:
10 h 35 min
